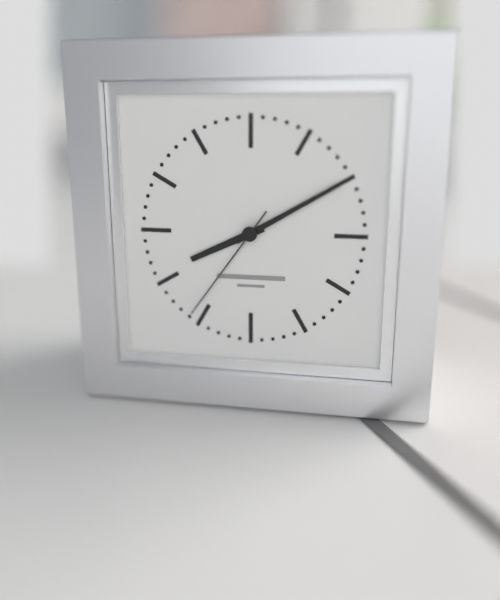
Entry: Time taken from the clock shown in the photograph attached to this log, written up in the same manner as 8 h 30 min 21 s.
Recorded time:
8 h 10 min 36 s
